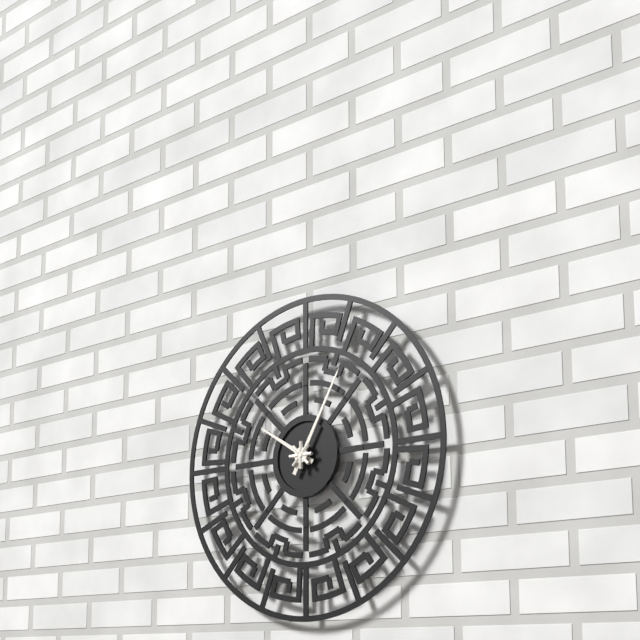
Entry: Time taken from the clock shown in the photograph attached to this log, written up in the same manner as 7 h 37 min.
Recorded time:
10 h 05 min
